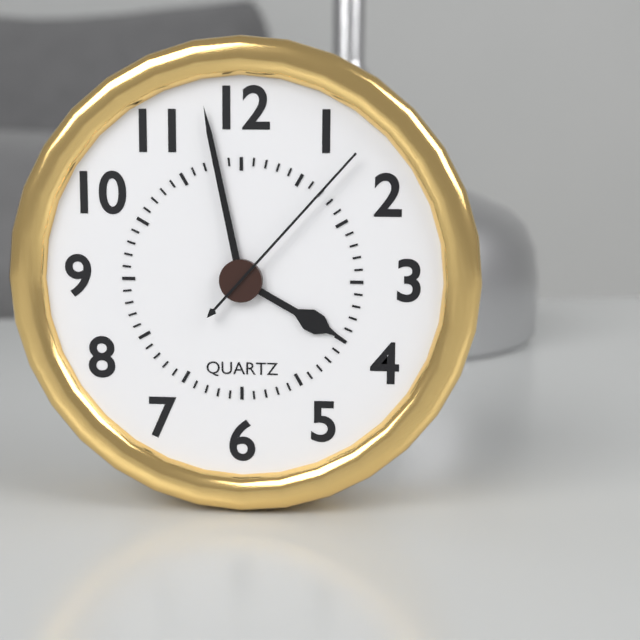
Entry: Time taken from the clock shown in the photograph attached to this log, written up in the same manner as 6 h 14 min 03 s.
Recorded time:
3 h 58 min 07 s
